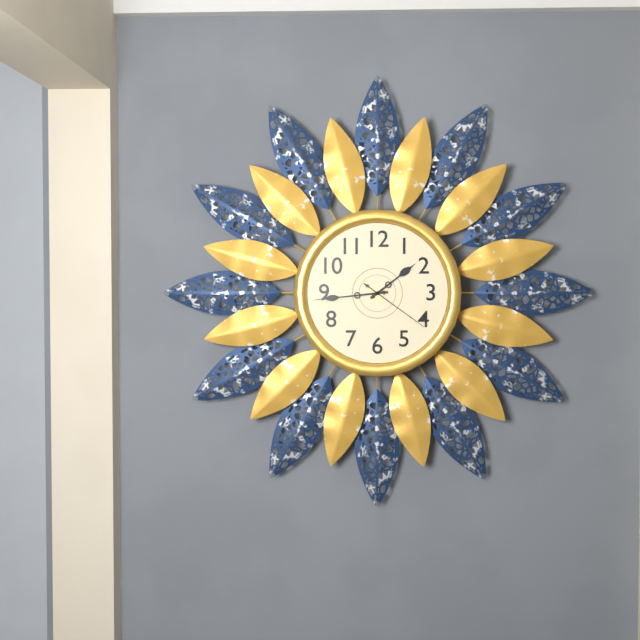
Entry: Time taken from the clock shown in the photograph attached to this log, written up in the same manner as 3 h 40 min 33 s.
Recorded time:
1 h 44 min 21 s
